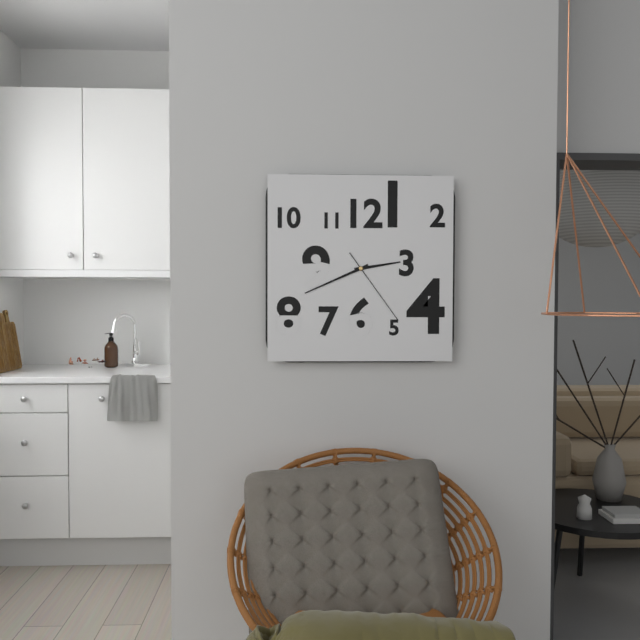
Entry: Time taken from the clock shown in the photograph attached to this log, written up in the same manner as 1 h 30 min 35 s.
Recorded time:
2 h 41 min 24 s
